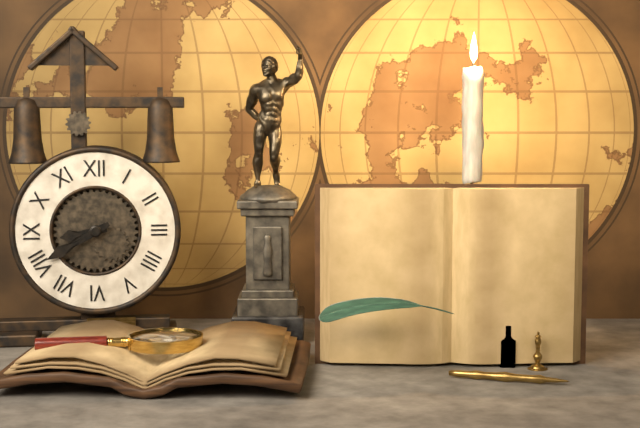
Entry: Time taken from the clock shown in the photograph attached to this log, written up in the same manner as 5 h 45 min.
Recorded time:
8 h 40 min
